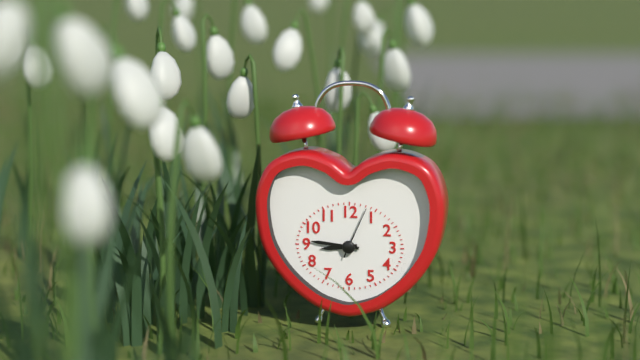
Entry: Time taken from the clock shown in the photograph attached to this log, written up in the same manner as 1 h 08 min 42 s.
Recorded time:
8 h 46 min 04 s
